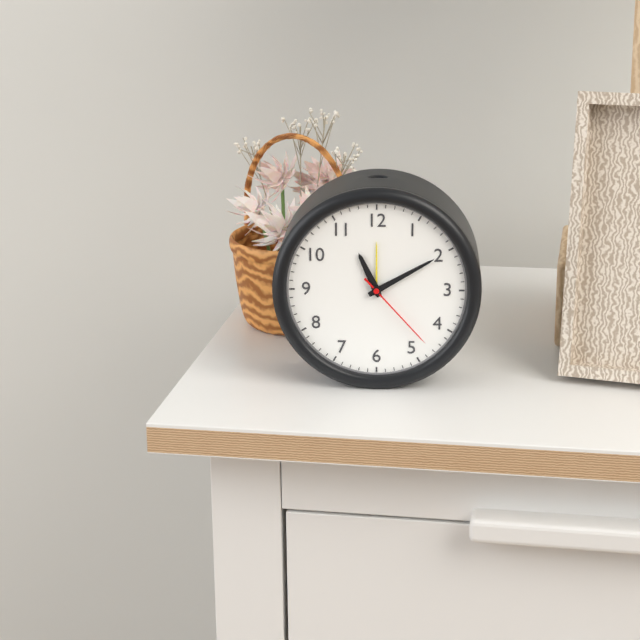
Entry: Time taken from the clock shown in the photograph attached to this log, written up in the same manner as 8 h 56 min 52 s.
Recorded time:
11 h 10 min 23 s
